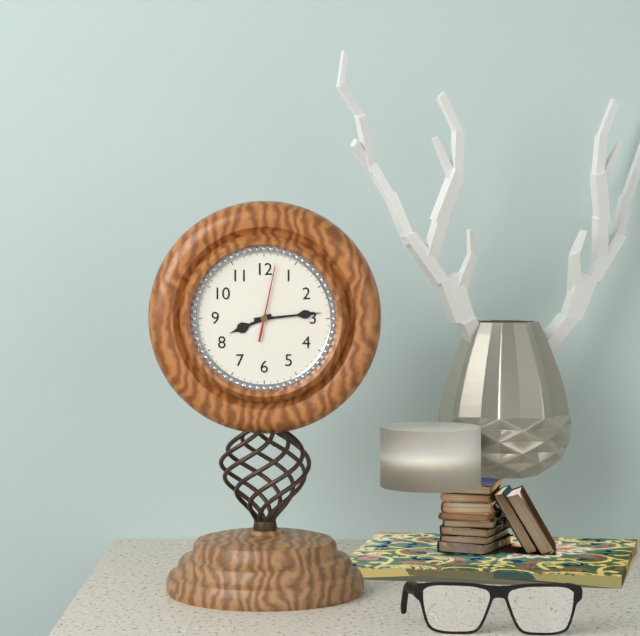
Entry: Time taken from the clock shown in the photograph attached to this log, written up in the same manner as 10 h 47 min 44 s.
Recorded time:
8 h 14 min 02 s
